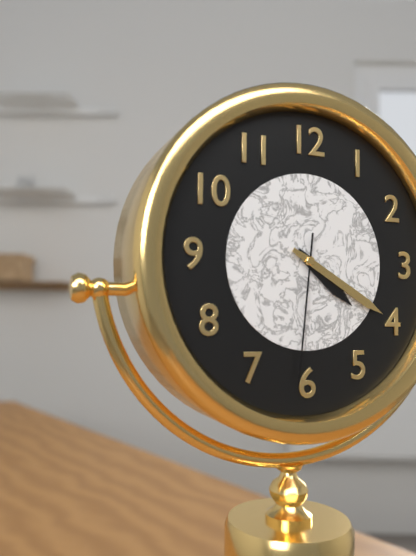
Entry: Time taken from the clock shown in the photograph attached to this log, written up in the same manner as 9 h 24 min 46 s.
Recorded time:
4 h 20 min 31 s
